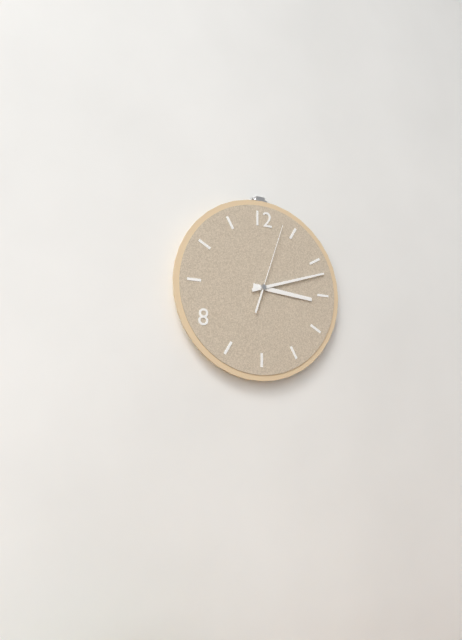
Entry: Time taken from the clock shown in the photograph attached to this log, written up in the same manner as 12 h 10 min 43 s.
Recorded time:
3 h 12 min 03 s
